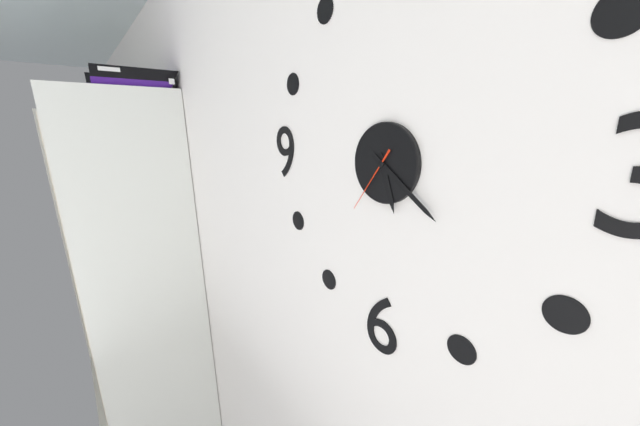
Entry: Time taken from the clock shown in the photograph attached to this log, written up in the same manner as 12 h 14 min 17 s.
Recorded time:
5 h 21 min 36 s
